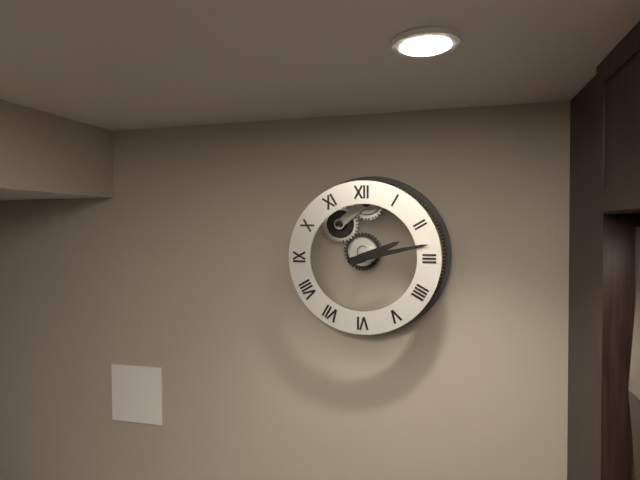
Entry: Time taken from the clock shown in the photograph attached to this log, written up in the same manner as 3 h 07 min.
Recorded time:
2 h 13 min
